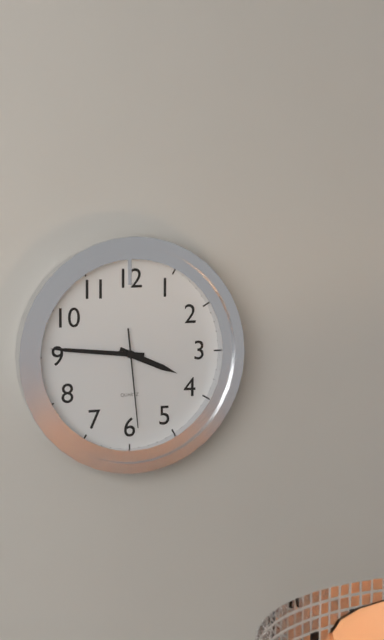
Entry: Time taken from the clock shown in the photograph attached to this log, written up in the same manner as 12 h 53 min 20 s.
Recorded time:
3 h 46 min 29 s
